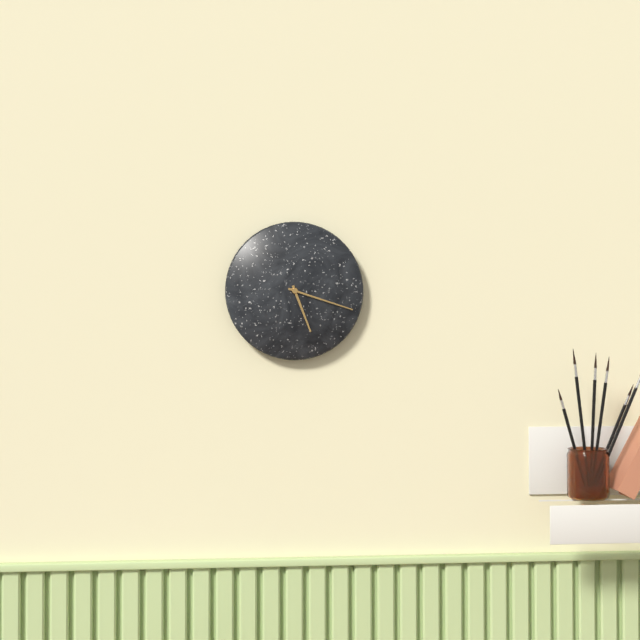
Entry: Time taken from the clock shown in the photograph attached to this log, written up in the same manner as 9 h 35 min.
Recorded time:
5 h 18 min
